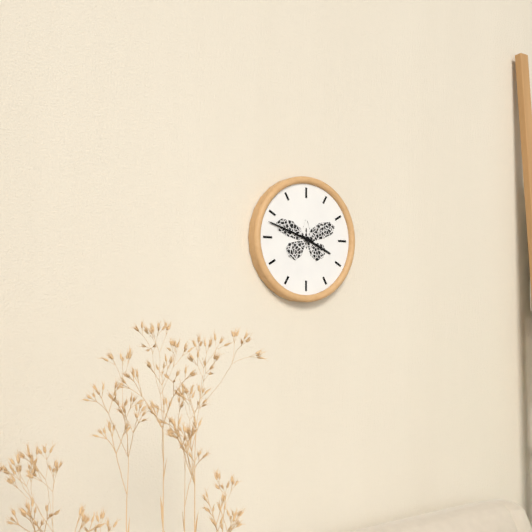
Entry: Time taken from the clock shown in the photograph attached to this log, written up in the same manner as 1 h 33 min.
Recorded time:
3 h 48 min
